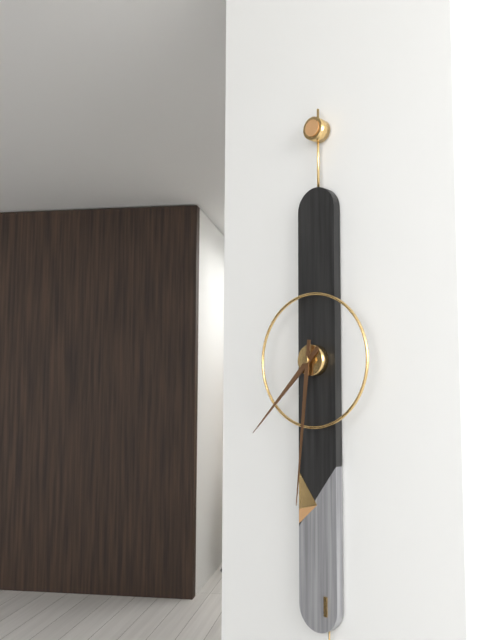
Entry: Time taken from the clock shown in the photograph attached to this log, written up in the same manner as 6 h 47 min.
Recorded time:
7 h 31 min
